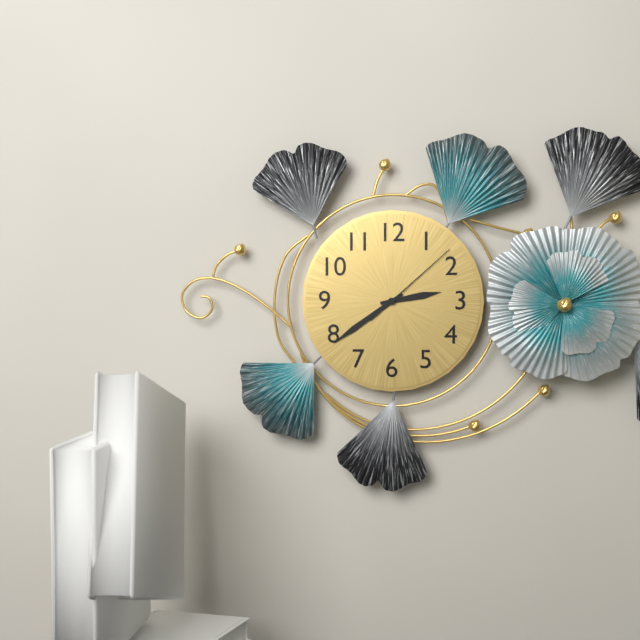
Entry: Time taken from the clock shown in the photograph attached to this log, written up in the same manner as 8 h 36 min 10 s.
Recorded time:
2 h 39 min 08 s
